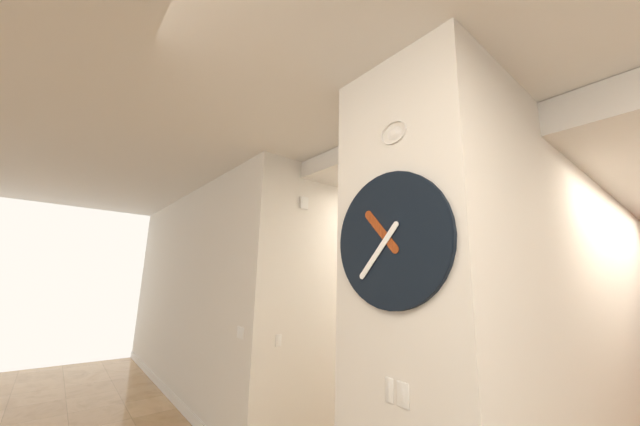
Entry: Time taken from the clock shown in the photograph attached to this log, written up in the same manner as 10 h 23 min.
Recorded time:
10 h 37 min
